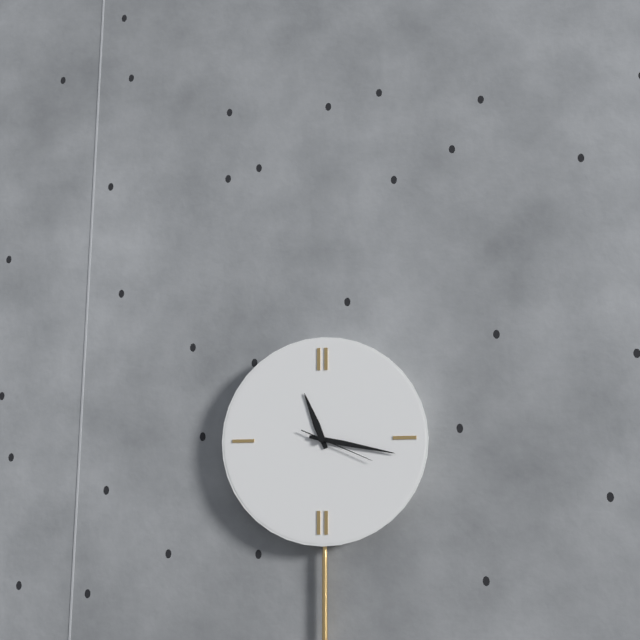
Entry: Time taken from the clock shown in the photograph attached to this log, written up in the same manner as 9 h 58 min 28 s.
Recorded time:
11 h 17 min 19 s
